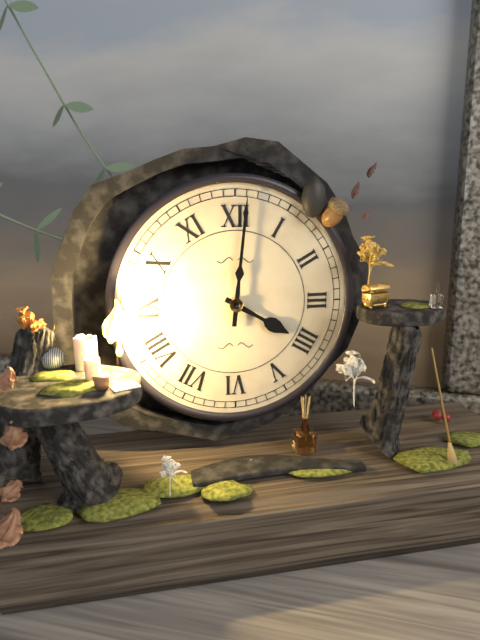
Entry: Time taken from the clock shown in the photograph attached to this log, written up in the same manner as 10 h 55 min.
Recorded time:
4 h 01 min
